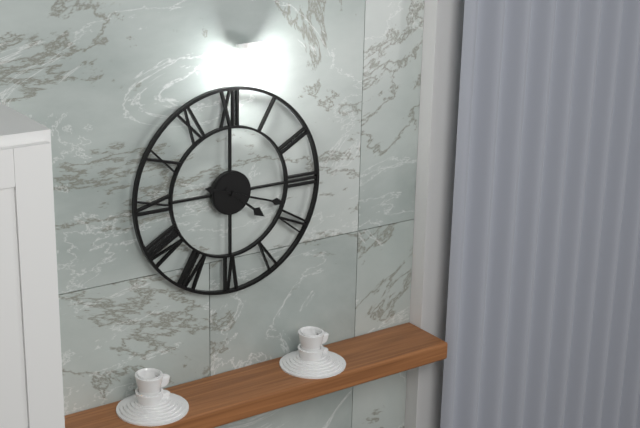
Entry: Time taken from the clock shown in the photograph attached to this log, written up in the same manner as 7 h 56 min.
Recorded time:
4 h 18 min
